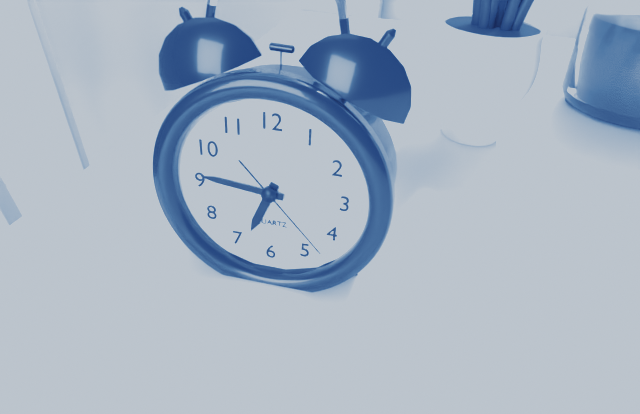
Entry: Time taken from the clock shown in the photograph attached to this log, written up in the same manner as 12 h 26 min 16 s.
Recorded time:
6 h 46 min 23 s
